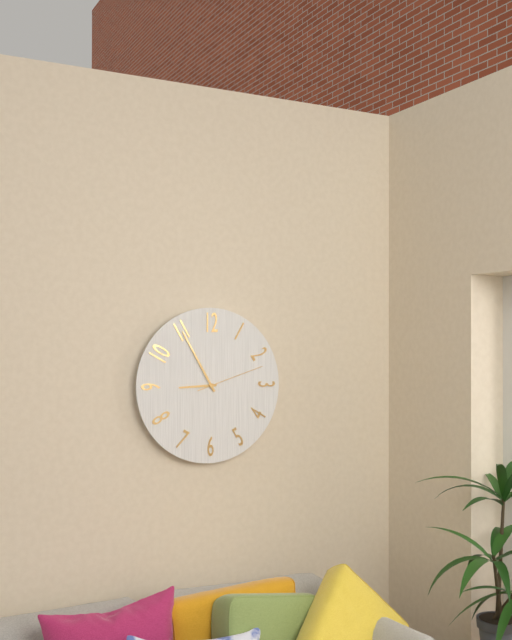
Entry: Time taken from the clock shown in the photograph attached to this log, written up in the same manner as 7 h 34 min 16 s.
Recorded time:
8 h 55 min 12 s
